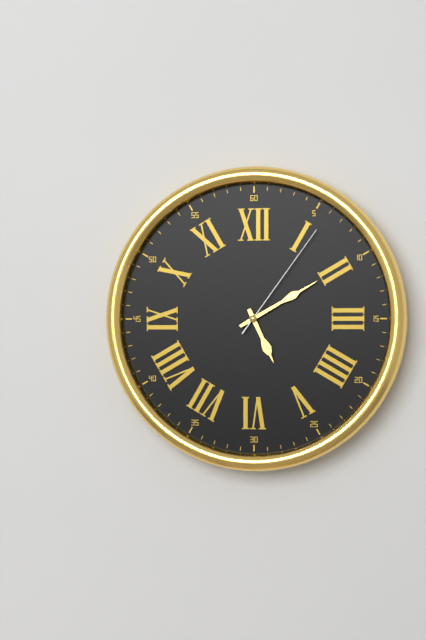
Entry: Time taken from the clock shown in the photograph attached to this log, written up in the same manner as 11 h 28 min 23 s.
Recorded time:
5 h 10 min 06 s
